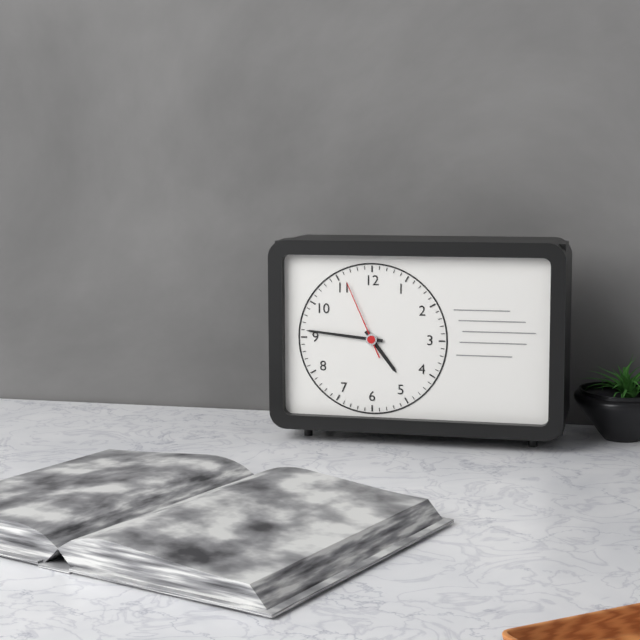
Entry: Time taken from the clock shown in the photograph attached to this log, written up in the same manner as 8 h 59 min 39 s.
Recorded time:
4 h 46 min 56 s
